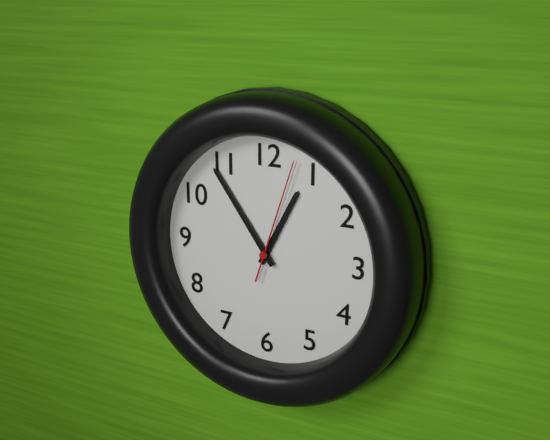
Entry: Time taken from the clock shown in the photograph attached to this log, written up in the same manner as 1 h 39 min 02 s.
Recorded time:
12 h 54 min 03 s
